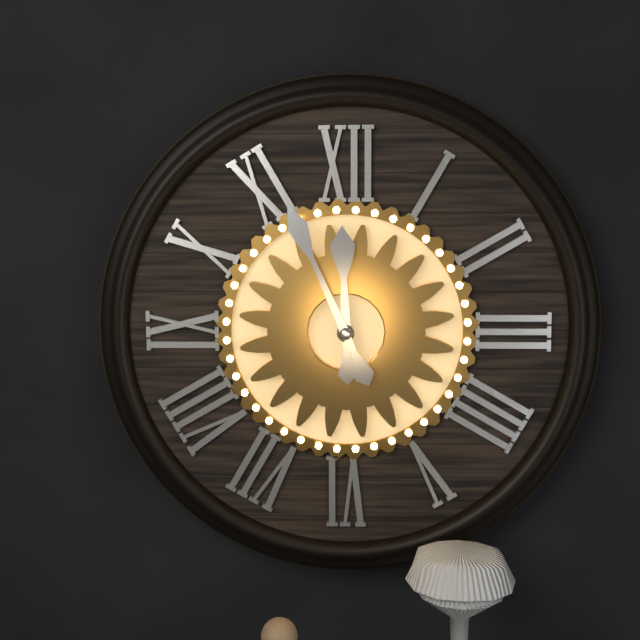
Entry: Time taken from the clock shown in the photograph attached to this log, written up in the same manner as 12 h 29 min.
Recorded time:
11 h 56 min
